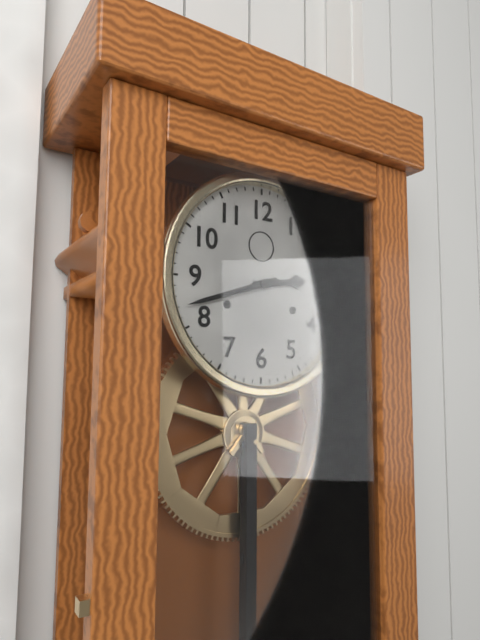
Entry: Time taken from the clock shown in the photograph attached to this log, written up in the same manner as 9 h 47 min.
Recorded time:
2 h 42 min
